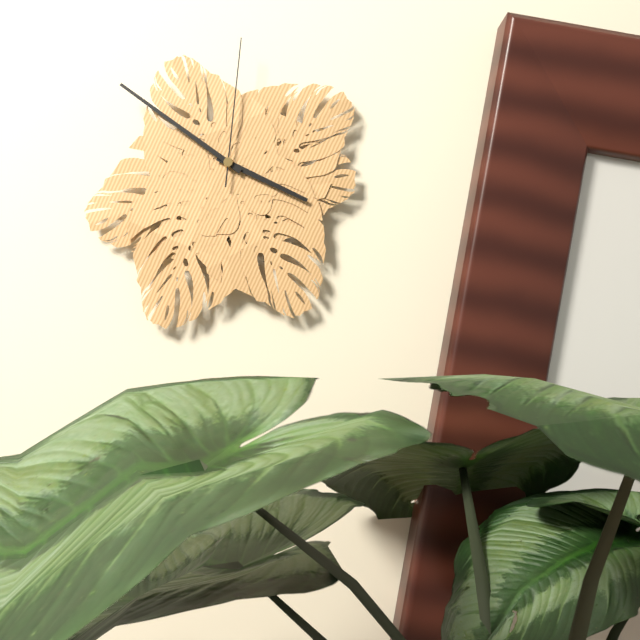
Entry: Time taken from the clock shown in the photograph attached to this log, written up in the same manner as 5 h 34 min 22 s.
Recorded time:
3 h 51 min 01 s
